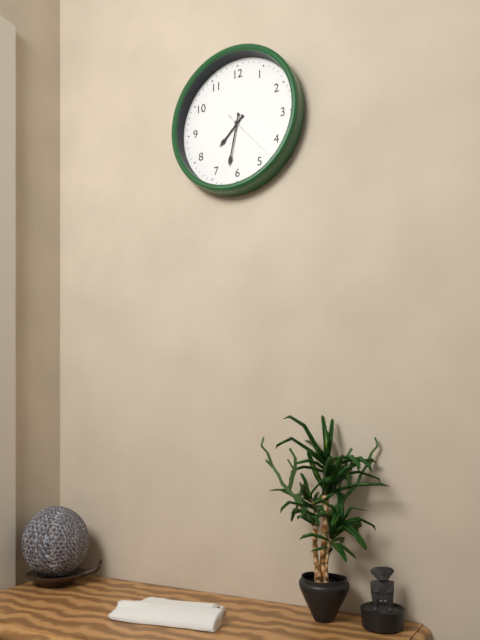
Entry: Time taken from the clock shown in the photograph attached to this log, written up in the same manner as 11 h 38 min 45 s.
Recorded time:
7 h 32 min 23 s
